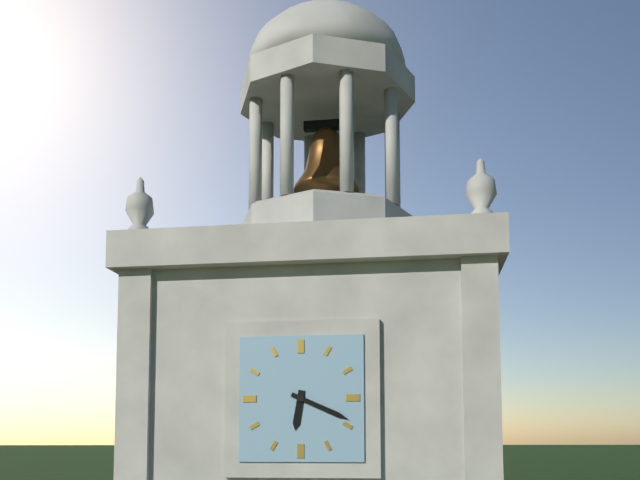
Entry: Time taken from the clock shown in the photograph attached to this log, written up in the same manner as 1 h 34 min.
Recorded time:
6 h 19 min
